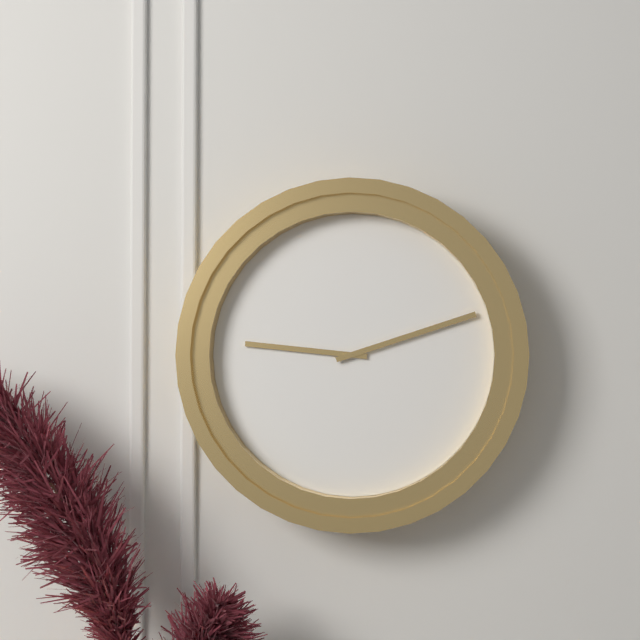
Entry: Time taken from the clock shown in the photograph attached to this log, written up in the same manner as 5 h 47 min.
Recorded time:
9 h 12 min
